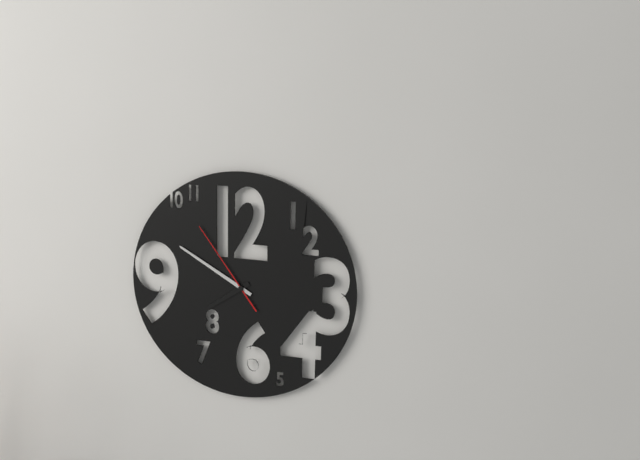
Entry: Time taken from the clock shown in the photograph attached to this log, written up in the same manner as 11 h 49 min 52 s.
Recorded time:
7 h 50 min 54 s
